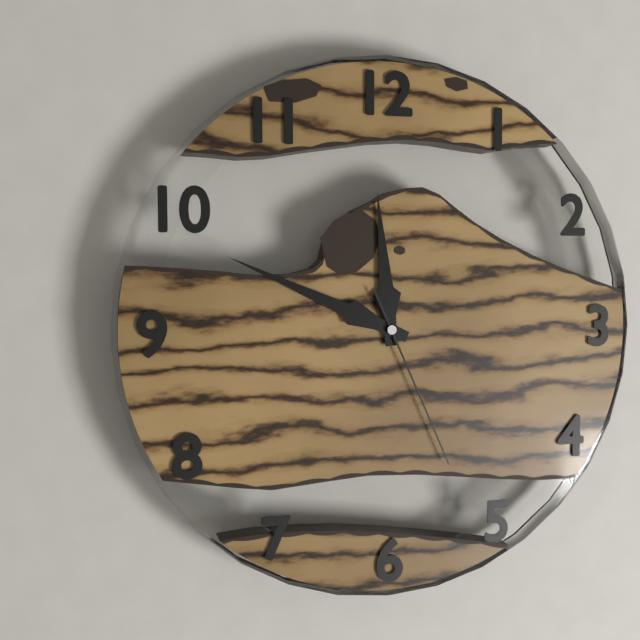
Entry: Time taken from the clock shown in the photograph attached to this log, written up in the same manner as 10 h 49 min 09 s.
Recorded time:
11 h 49 min 26 s
